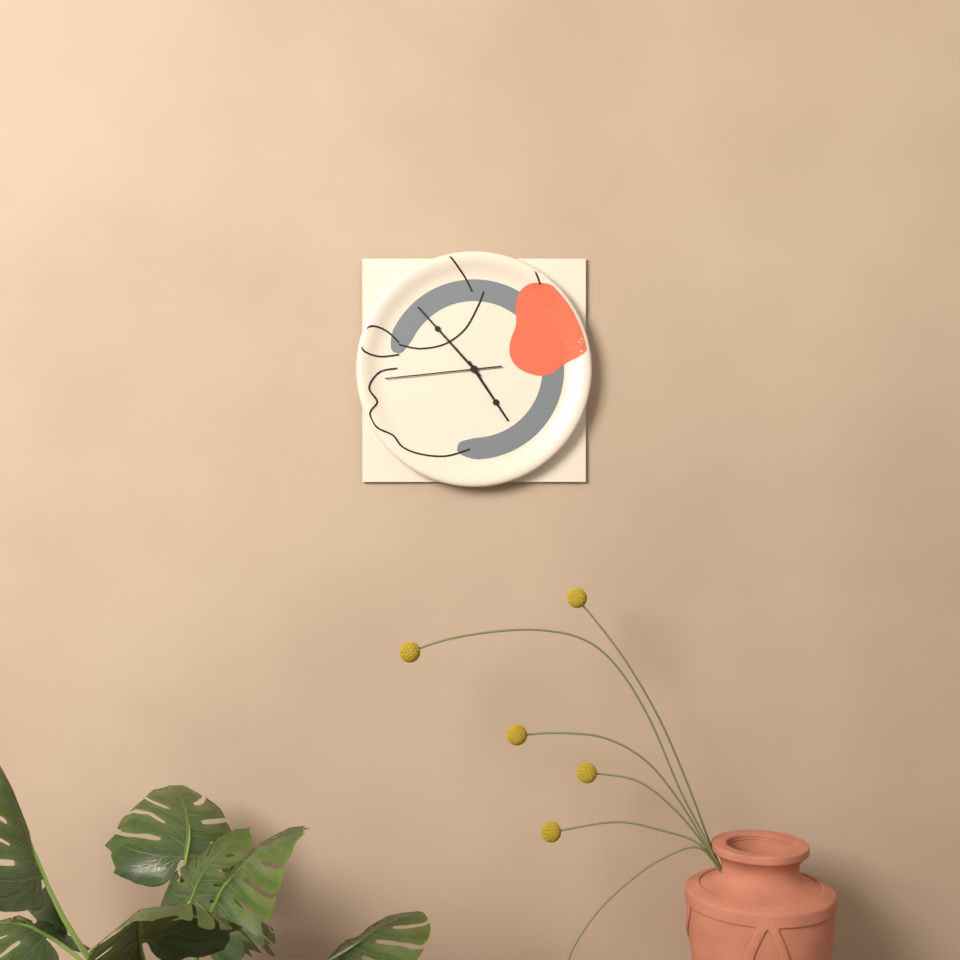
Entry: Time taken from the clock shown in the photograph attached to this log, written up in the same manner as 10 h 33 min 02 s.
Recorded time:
4 h 53 min 44 s
